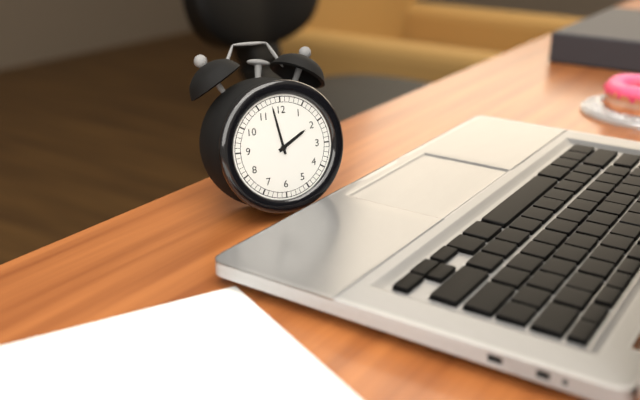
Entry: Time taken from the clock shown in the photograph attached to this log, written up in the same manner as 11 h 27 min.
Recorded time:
1 h 58 min
